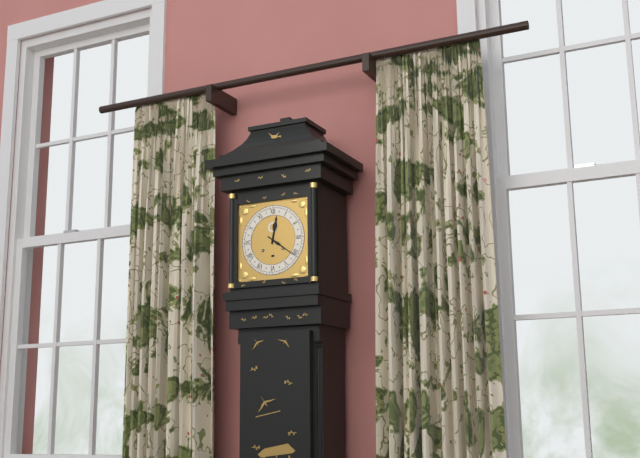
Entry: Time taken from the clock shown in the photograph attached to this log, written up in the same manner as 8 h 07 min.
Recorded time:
12 h 21 min
